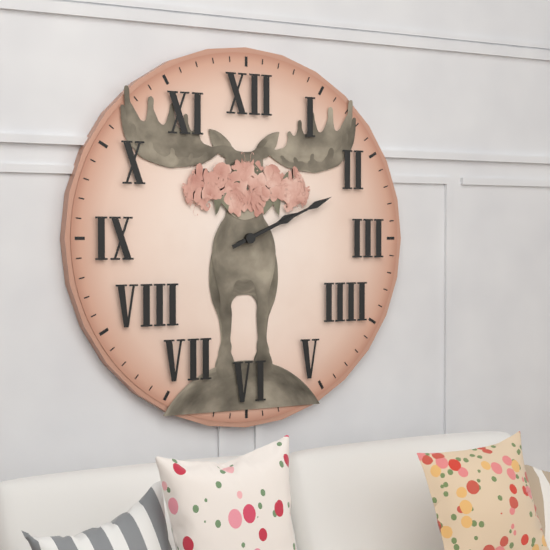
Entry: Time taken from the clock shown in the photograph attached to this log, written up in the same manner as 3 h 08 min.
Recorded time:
2 h 11 min
